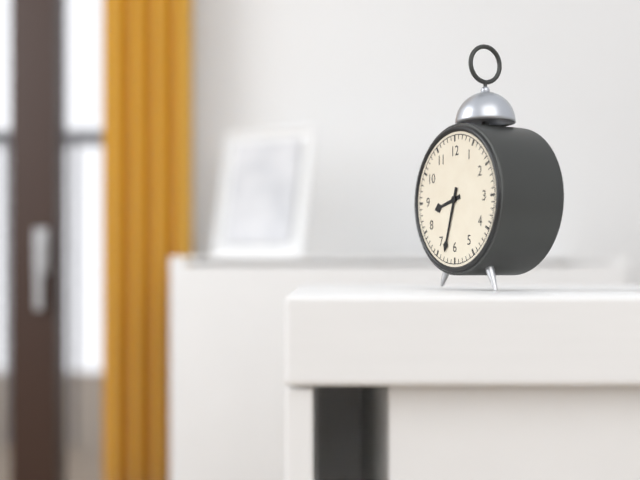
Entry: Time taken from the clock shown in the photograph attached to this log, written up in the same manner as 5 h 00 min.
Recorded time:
8 h 33 min
